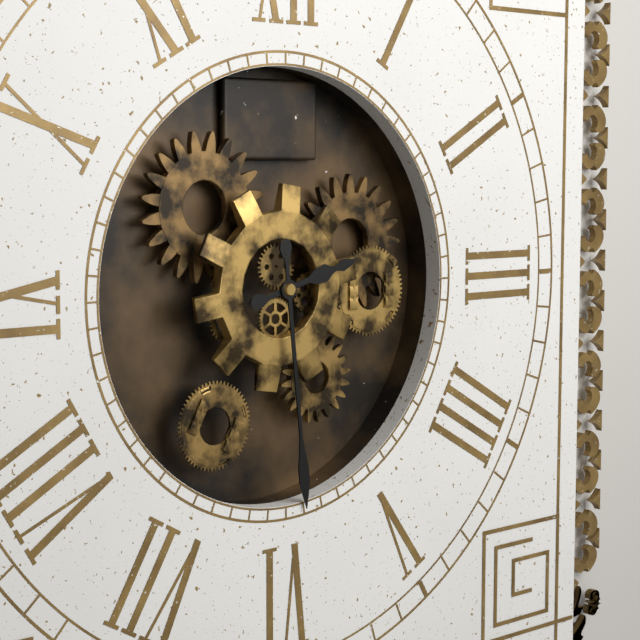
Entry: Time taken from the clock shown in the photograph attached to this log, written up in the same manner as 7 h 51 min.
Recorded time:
2 h 29 min
